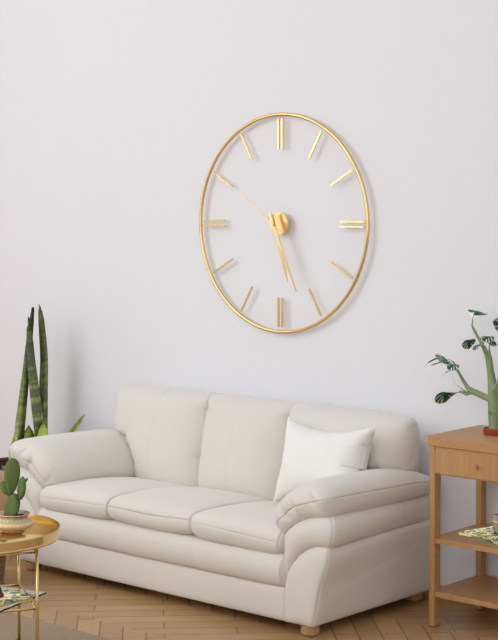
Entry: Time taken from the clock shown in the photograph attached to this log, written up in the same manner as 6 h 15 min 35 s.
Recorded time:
5 h 26 min 51 s
